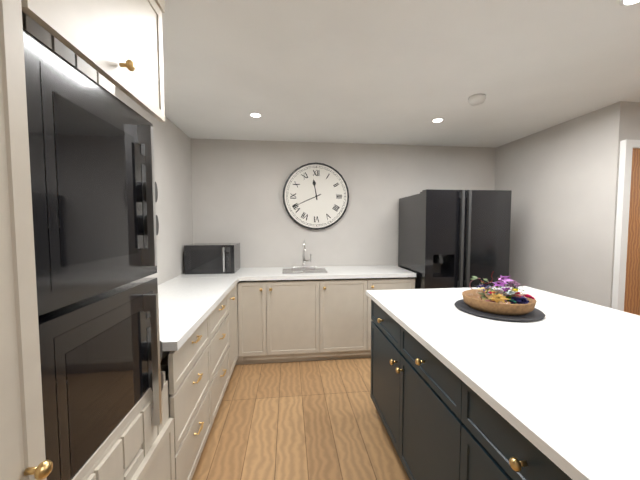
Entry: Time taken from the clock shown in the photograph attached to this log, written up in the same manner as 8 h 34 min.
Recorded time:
11 h 41 min
